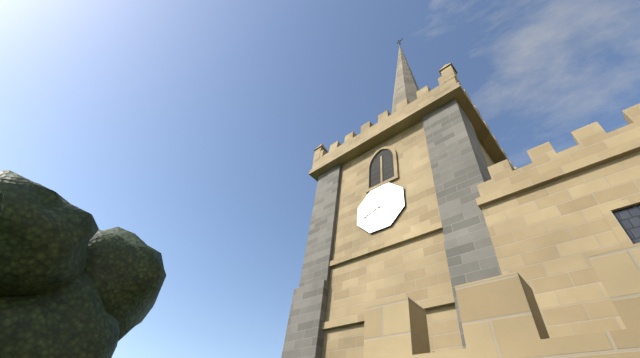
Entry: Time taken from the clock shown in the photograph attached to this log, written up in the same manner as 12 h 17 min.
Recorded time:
3 h 42 min
